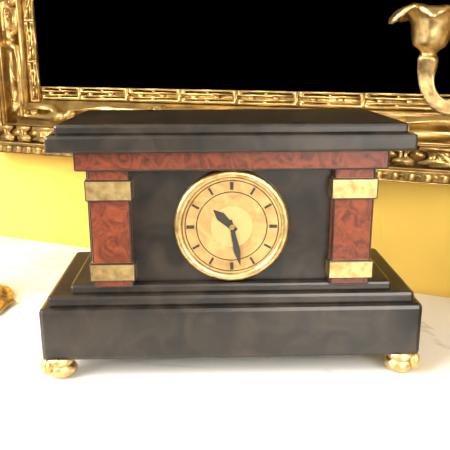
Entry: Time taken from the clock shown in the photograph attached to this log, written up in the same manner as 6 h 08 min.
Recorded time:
10 h 28 min
